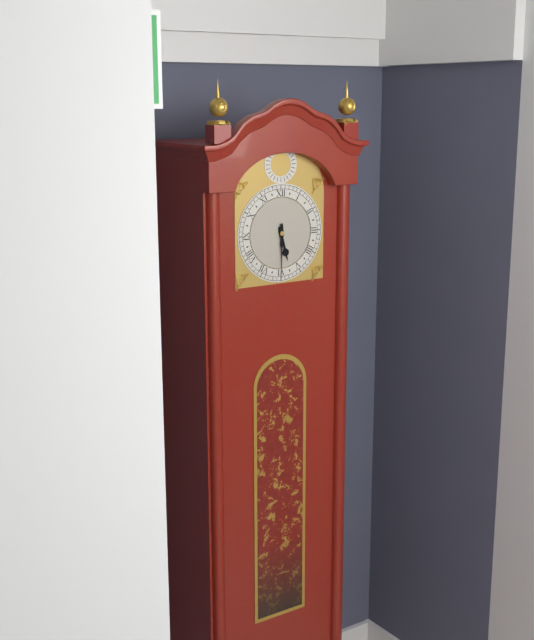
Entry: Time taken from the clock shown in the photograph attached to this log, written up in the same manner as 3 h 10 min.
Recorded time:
5 h 30 min
